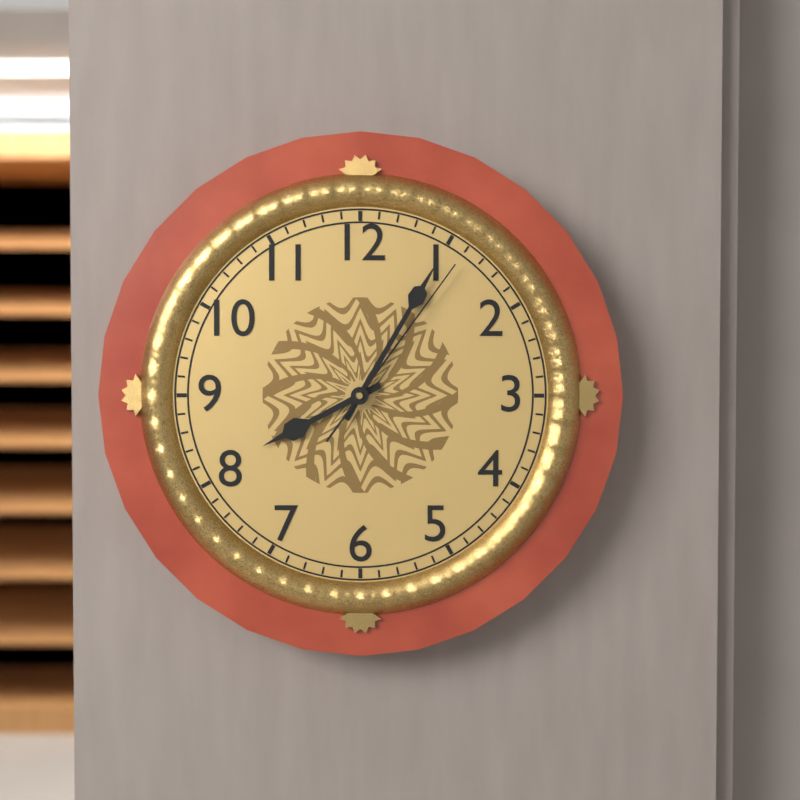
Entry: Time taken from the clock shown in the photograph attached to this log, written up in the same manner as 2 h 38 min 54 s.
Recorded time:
8 h 05 min 06 s
